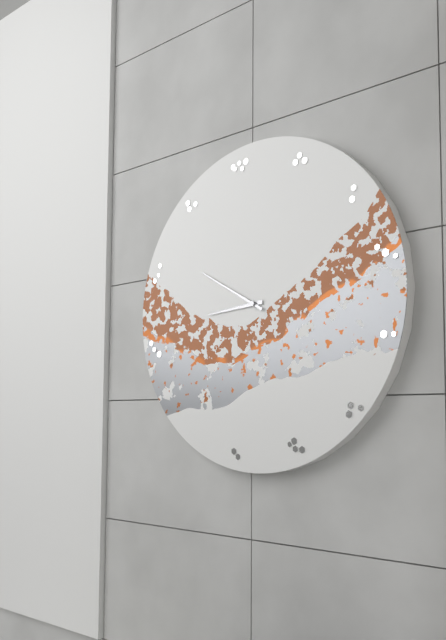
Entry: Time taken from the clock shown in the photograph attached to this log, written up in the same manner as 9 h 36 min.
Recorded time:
8 h 50 min
